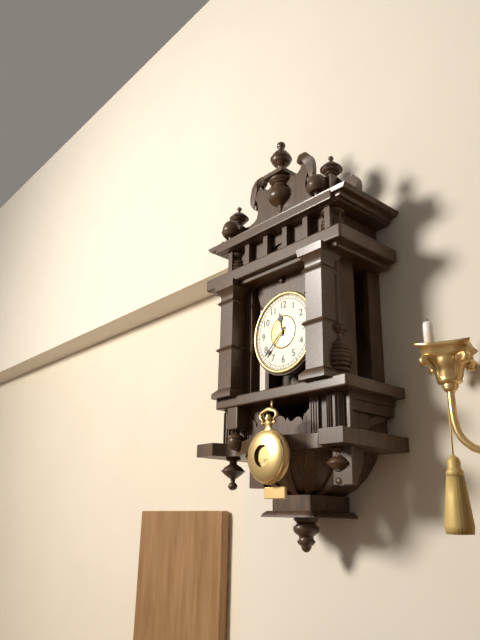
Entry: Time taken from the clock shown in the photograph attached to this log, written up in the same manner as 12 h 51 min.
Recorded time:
11 h 38 min
